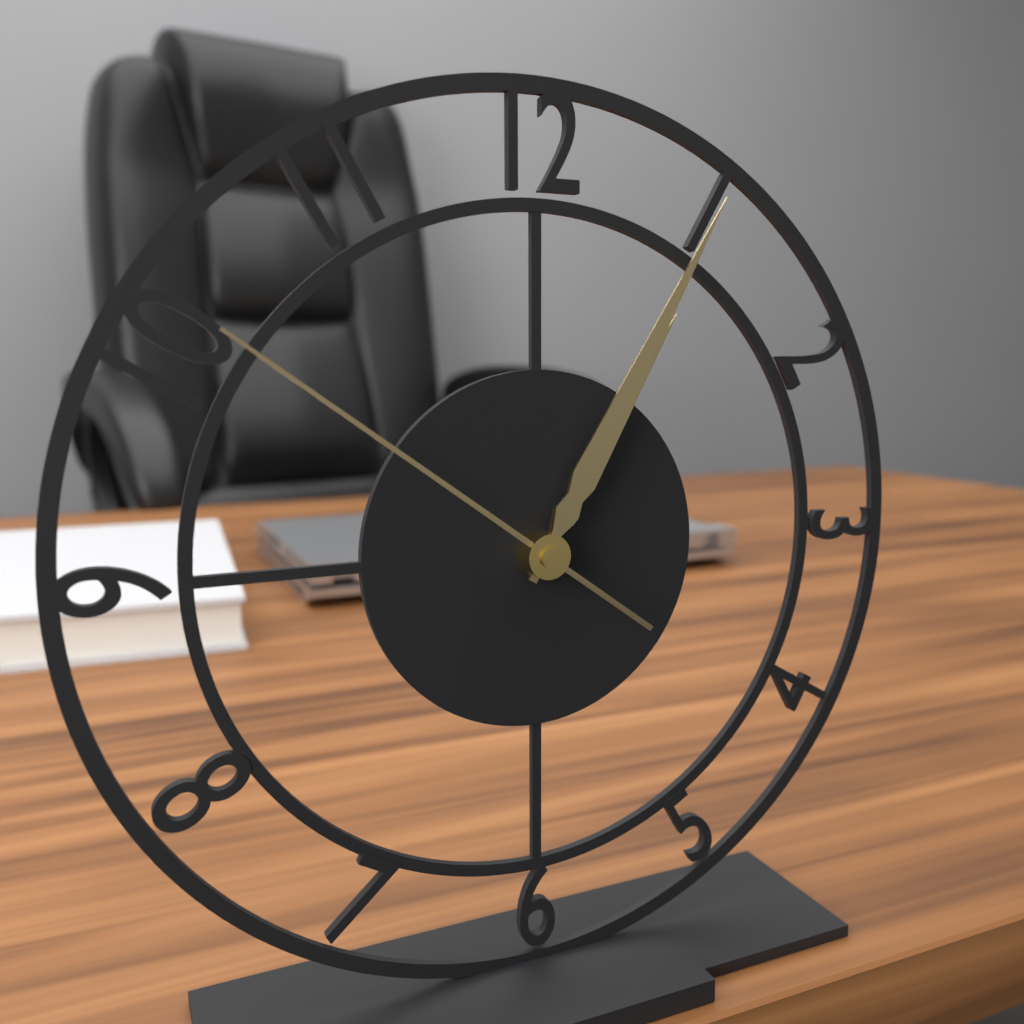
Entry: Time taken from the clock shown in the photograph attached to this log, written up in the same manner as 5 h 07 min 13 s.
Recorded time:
1 h 05 min 51 s
